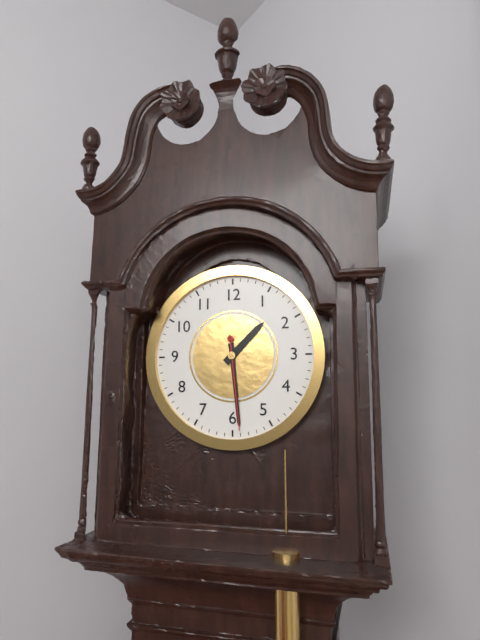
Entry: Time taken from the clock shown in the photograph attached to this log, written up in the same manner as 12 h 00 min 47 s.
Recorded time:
1 h 29 min 29 s
